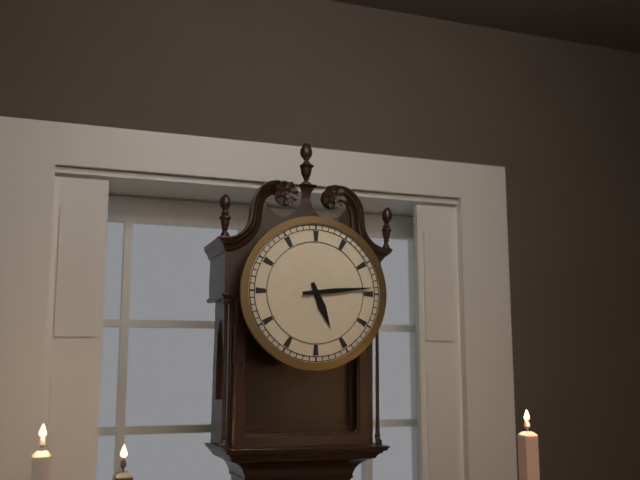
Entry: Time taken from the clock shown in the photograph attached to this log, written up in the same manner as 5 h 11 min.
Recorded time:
5 h 14 min
